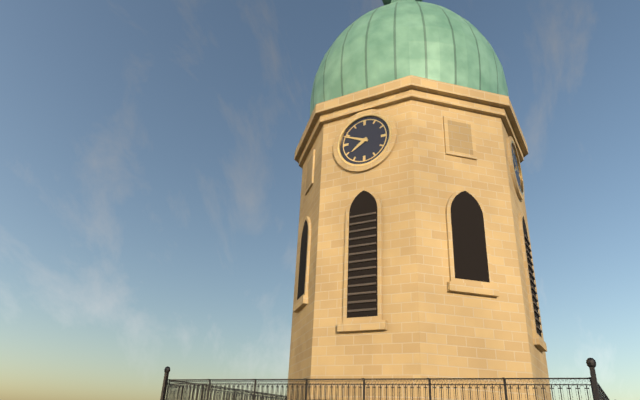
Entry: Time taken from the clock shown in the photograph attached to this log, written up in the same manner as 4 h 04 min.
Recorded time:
7 h 49 min
